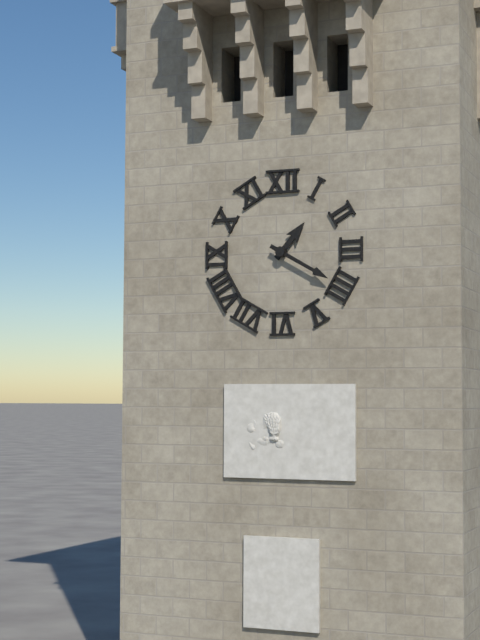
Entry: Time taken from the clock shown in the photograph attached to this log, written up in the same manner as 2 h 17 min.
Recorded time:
1 h 20 min
